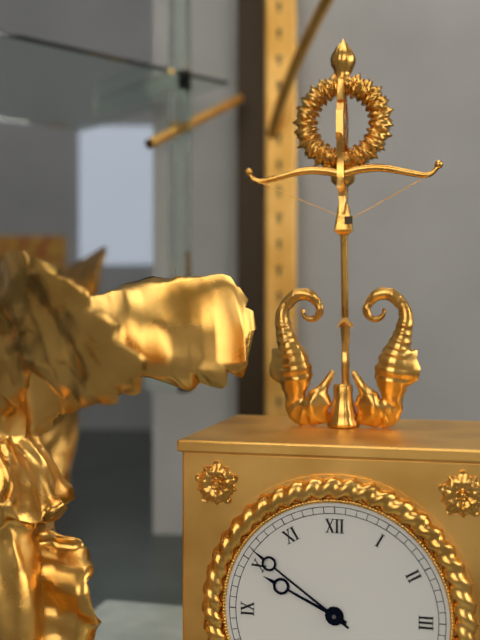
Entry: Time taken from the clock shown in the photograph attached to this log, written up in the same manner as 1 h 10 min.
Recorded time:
9 h 51 min
